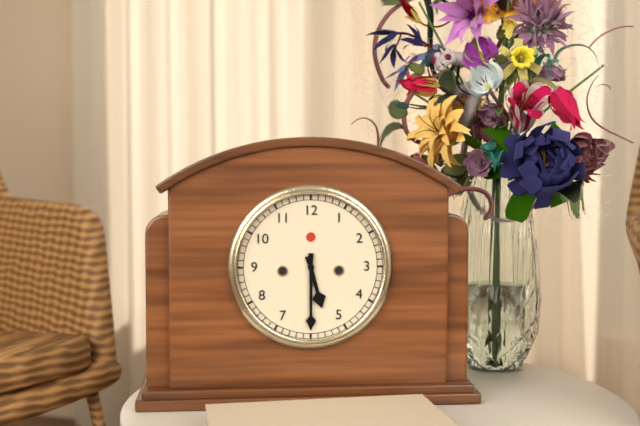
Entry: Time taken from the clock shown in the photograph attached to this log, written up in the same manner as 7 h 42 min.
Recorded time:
5 h 30 min
